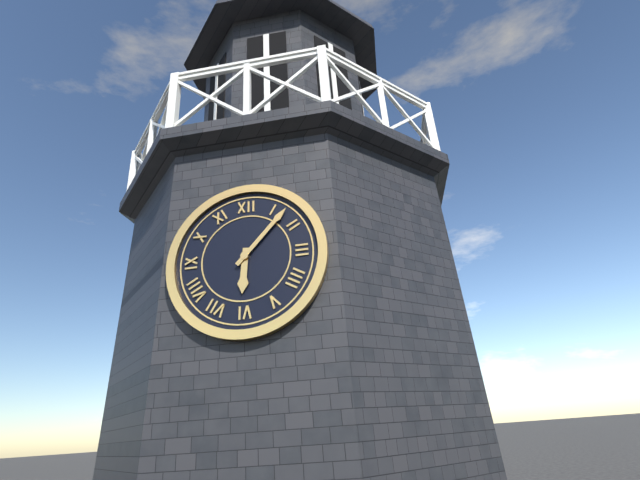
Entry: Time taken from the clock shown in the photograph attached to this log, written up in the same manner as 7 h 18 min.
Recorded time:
6 h 07 min
